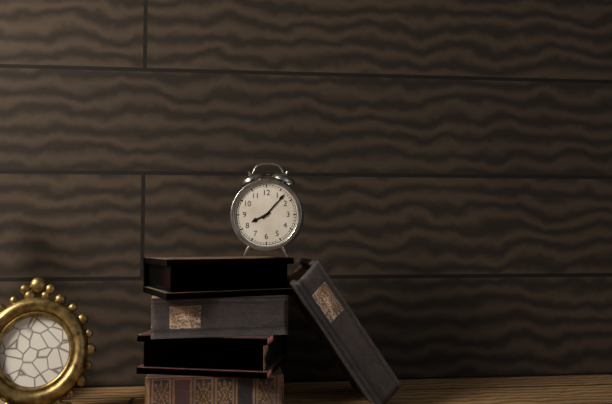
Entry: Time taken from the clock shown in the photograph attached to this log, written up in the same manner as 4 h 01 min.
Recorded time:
8 h 07 min
